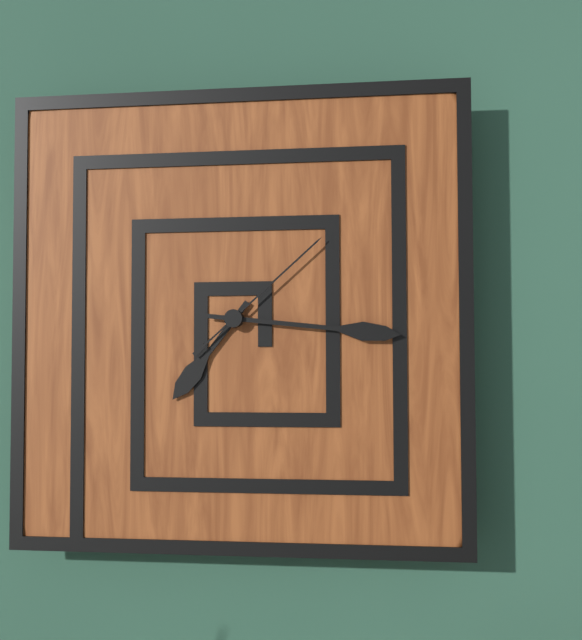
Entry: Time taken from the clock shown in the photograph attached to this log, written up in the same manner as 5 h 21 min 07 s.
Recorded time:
7 h 16 min 08 s
